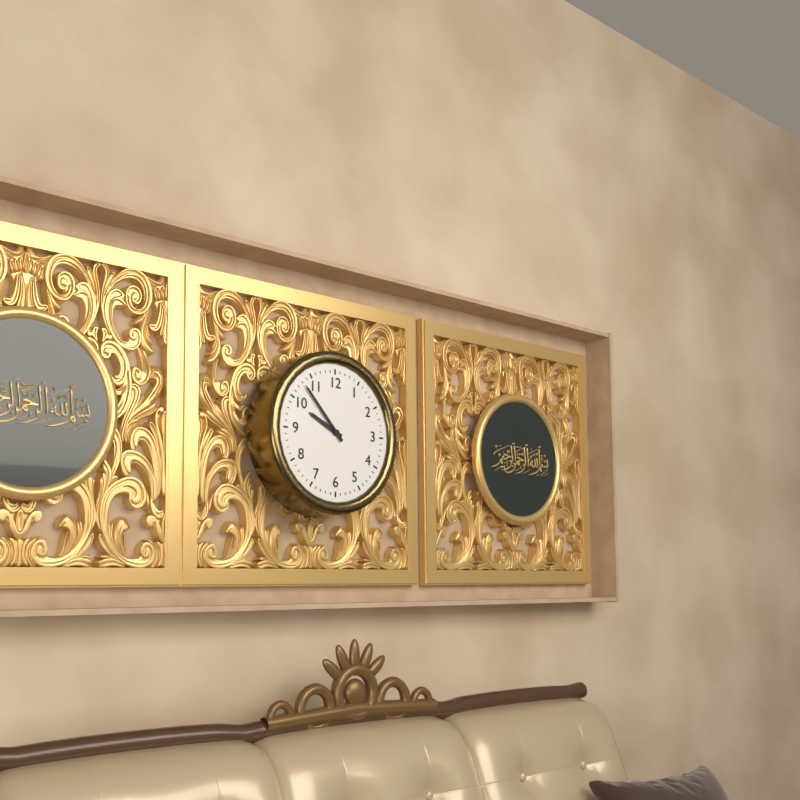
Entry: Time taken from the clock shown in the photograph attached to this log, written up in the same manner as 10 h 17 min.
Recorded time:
9 h 53 min
